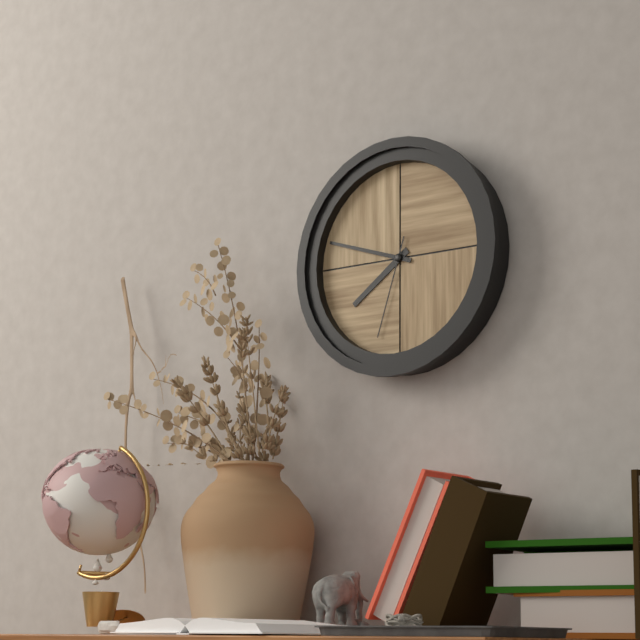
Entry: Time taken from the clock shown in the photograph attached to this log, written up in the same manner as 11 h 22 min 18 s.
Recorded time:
7 h 48 min 33 s
